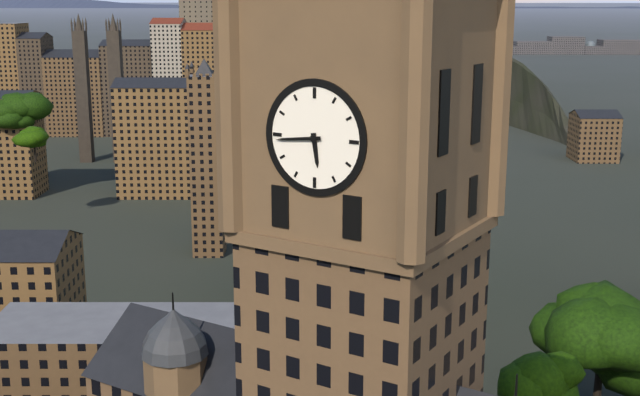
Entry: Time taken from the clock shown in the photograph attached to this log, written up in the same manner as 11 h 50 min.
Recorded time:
5 h 44 min
